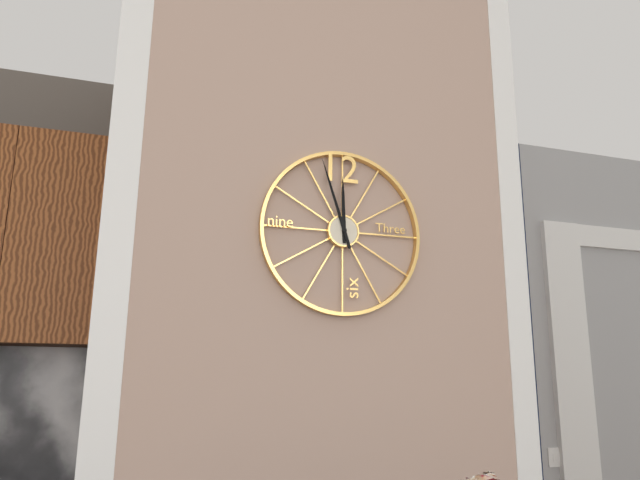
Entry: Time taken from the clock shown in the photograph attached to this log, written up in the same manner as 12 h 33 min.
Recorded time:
11 h 57 min
